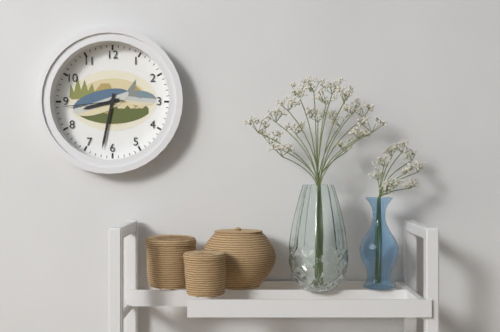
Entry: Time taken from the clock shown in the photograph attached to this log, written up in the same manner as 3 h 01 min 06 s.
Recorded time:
8 h 32 min 44 s
